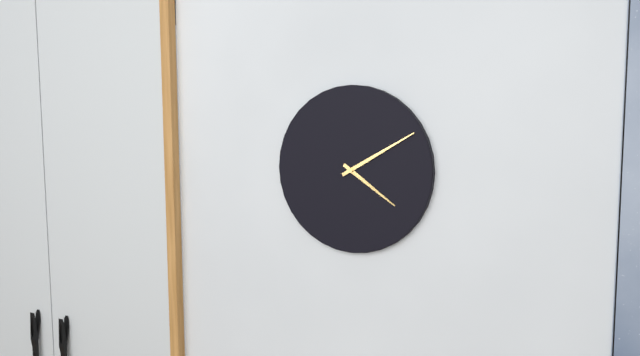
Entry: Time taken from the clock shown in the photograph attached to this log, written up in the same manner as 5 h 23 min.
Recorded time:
4 h 10 min
